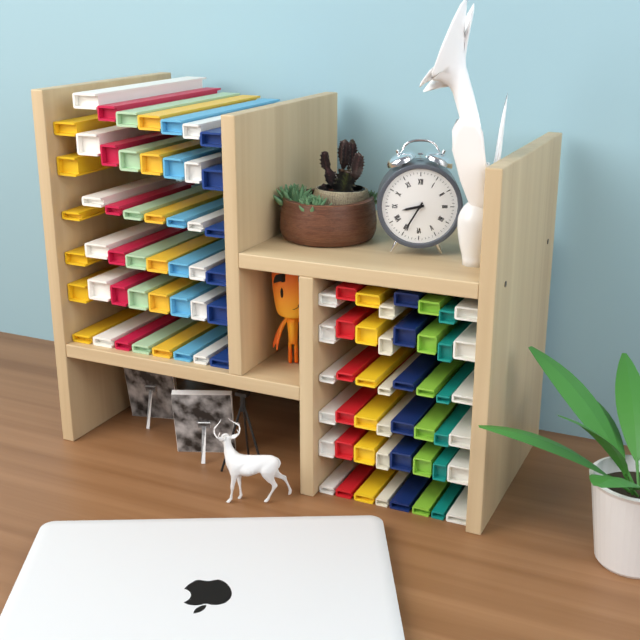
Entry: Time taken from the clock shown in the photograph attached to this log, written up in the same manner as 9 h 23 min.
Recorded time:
8 h 35 min
